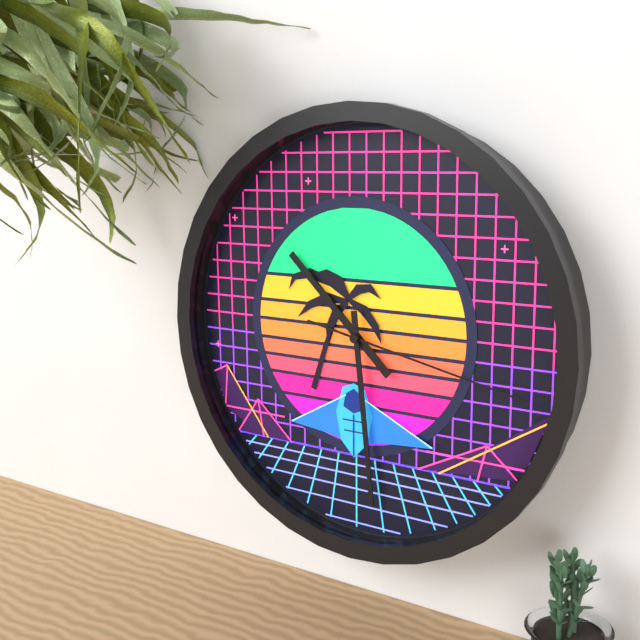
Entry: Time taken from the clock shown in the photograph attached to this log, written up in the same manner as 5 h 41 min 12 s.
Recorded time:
10 h 29 min 17 s
